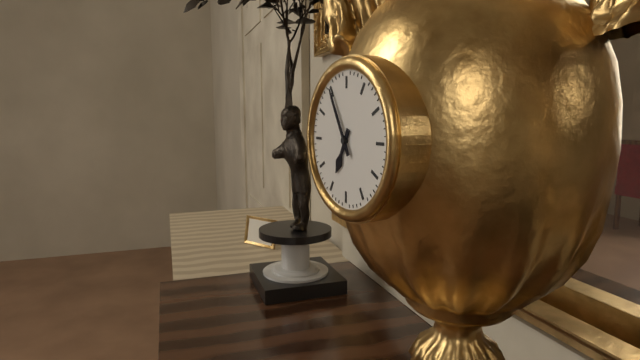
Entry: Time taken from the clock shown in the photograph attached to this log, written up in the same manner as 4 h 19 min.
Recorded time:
6 h 55 min
